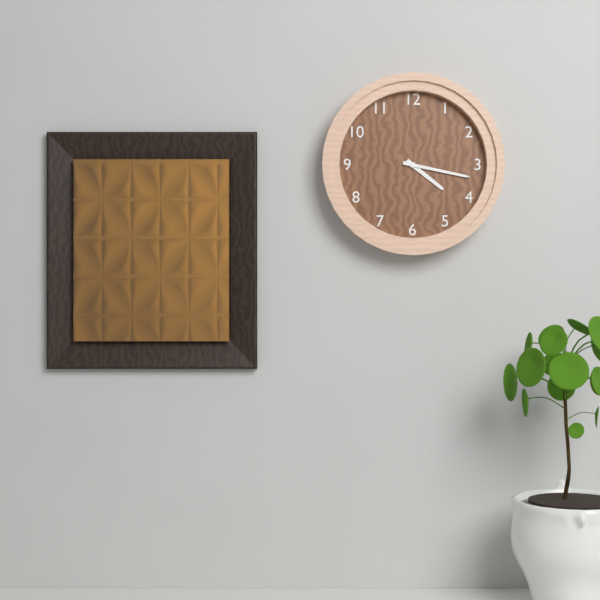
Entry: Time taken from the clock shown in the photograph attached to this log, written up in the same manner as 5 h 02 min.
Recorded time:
4 h 17 min
